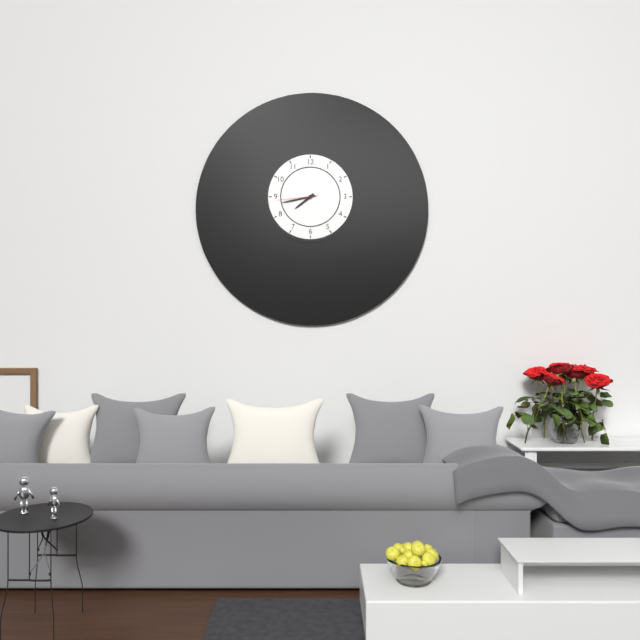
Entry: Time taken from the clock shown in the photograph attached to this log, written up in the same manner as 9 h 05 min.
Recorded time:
7 h 43 min
